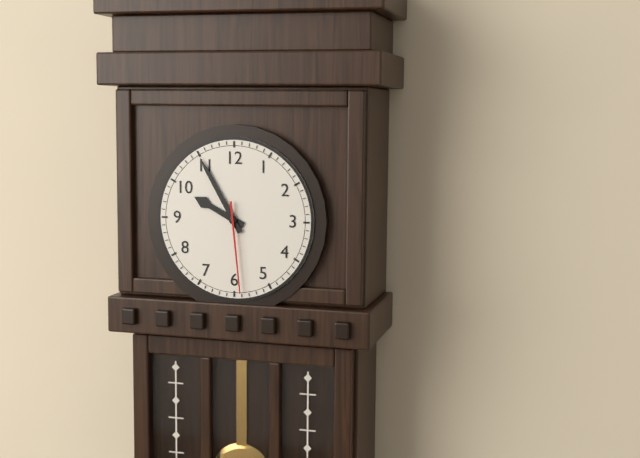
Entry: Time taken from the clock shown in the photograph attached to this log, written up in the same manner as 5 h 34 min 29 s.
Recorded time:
9 h 55 min 29 s
